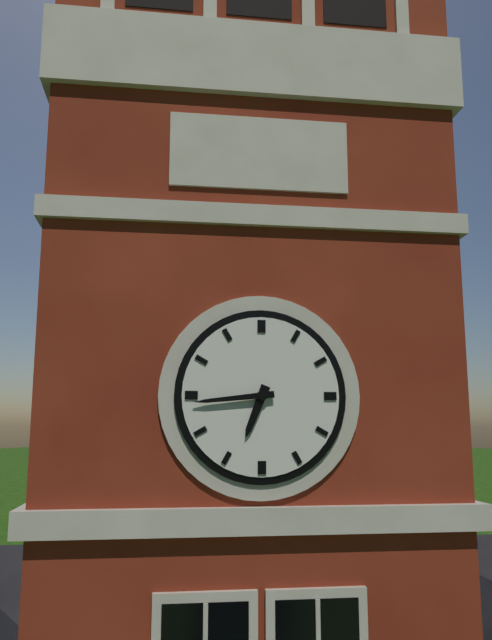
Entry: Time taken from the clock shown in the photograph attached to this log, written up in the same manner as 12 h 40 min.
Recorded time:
6 h 44 min
